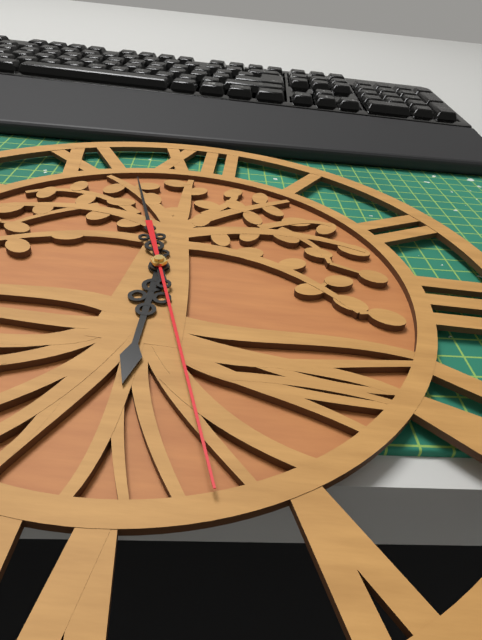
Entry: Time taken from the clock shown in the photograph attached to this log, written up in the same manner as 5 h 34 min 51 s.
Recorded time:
5 h 57 min 27 s
